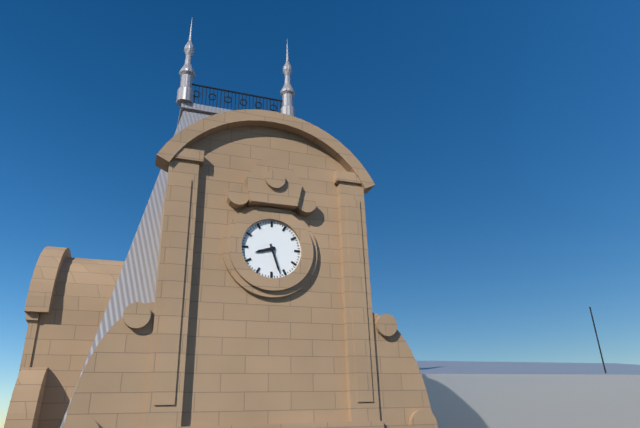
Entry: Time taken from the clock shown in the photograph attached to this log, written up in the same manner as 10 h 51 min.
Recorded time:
8 h 27 min
